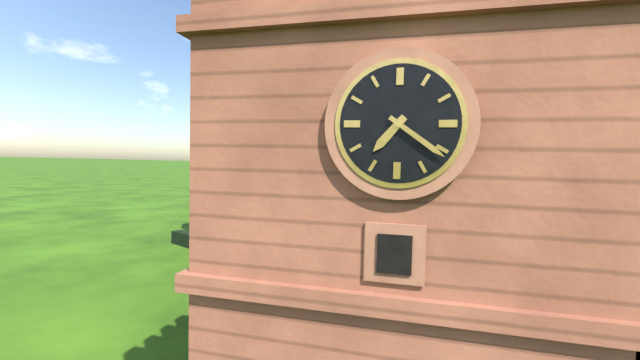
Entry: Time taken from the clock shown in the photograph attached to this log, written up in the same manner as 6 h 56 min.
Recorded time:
7 h 21 min
